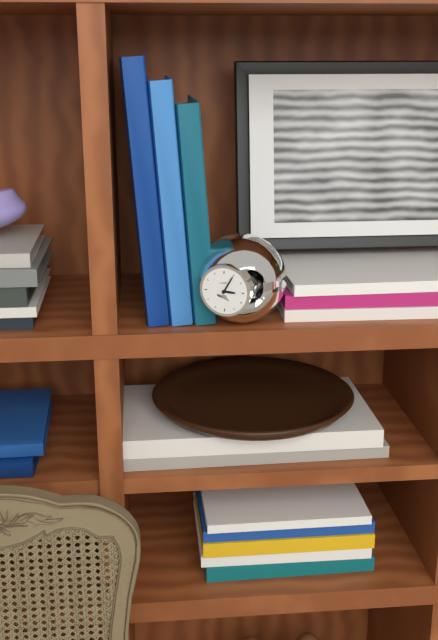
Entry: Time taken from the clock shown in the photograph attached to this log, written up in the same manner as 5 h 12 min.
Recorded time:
3 h 05 min
